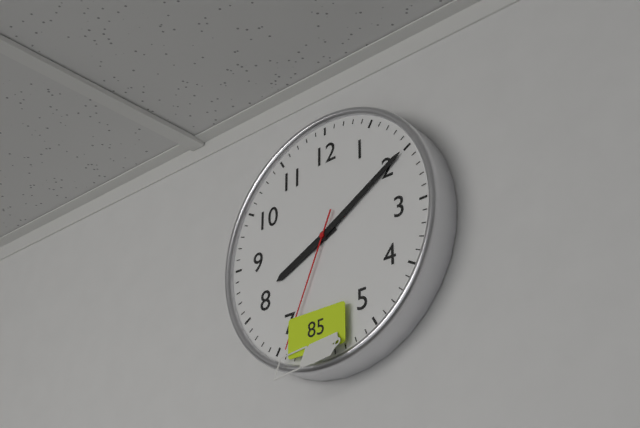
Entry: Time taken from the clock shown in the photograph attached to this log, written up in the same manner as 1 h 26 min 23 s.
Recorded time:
8 h 10 min 34 s
